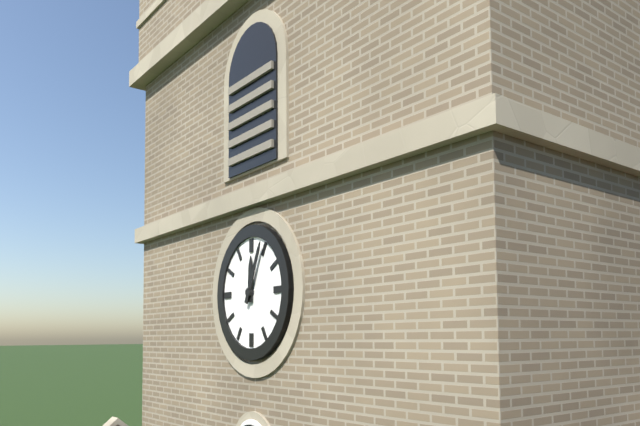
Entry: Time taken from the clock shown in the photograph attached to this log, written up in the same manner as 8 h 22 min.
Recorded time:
12 h 04 min
